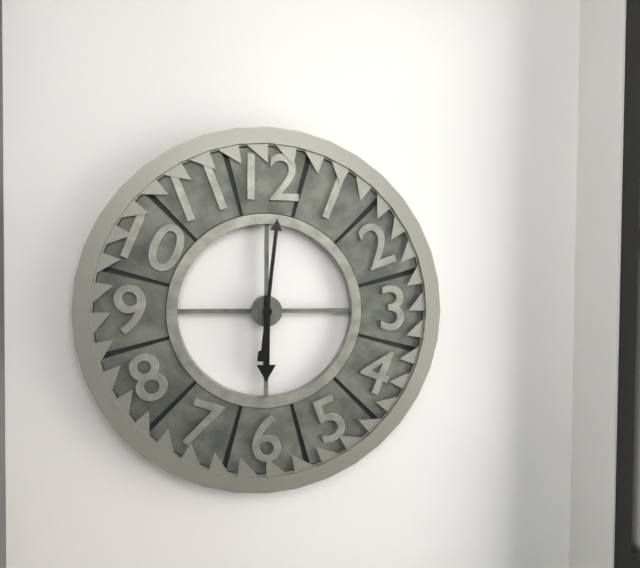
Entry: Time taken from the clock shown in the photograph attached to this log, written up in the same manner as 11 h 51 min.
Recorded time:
6 h 01 min
